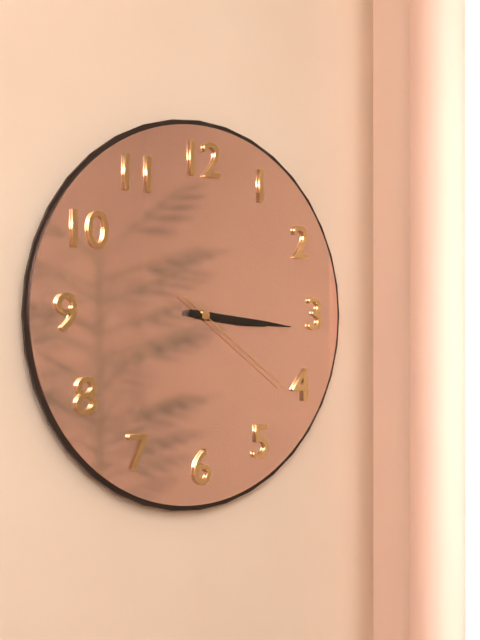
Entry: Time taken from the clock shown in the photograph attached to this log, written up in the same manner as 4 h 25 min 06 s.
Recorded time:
3 h 16 min 21 s
